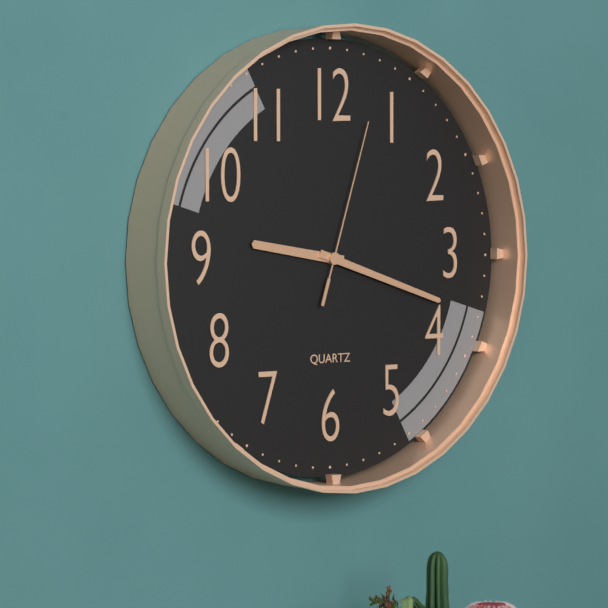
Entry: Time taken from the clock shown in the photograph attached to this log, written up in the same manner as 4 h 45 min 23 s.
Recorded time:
9 h 18 min 03 s
